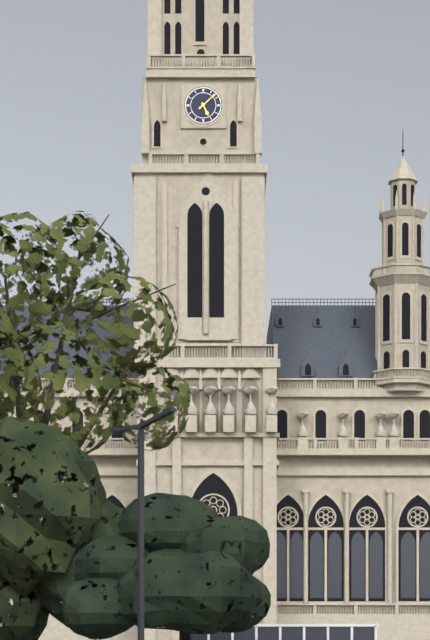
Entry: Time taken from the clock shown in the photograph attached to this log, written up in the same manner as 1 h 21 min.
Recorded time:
5 h 08 min
